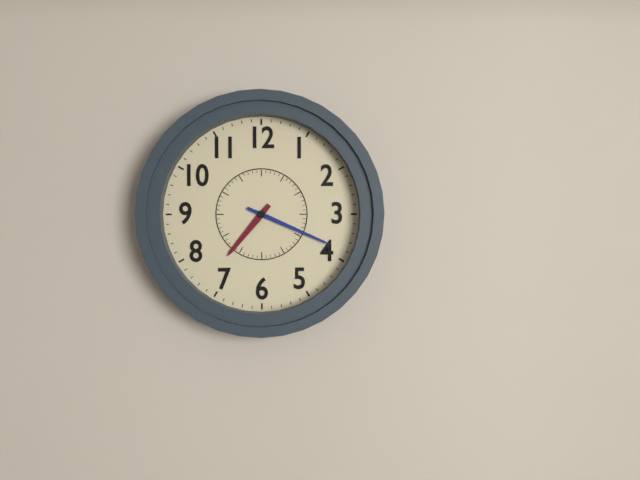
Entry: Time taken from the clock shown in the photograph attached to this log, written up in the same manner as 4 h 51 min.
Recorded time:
7 h 19 min
